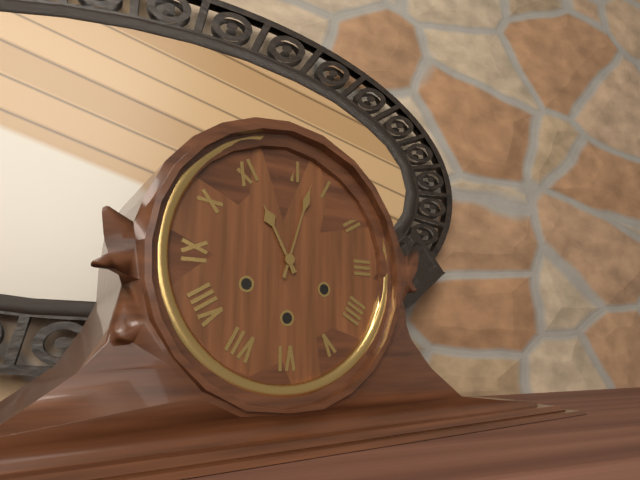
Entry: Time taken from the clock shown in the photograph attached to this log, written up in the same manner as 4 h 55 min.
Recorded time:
11 h 03 min
